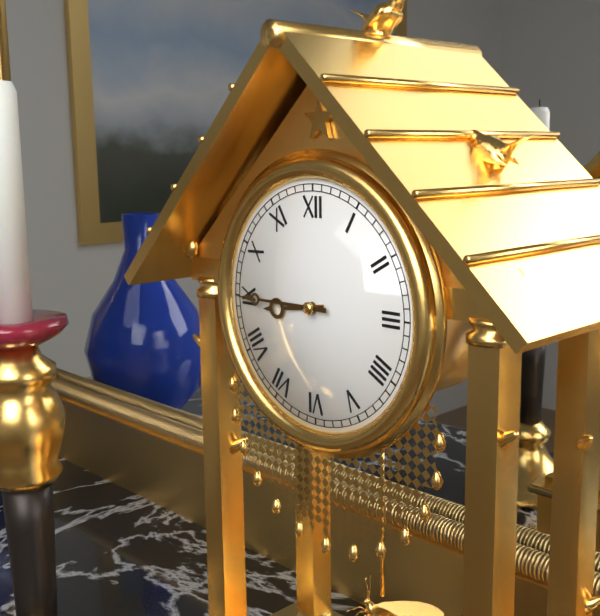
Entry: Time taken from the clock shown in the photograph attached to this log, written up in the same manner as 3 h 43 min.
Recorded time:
8 h 45 min
